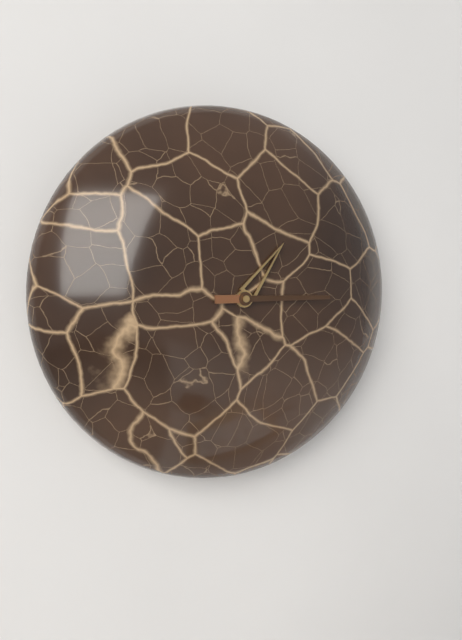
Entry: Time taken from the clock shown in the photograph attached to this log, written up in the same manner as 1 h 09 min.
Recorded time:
1 h 15 min
